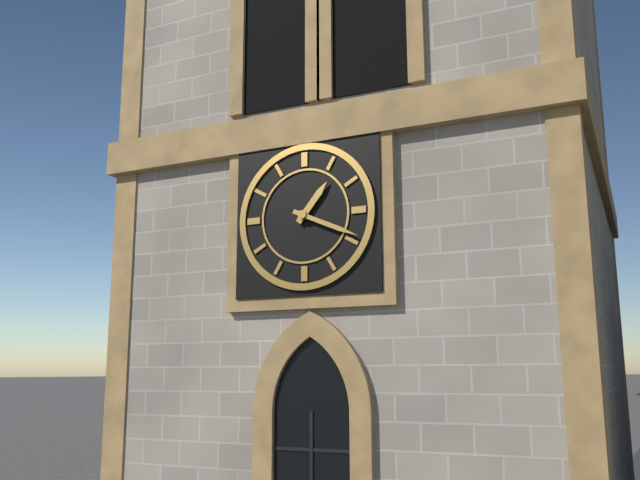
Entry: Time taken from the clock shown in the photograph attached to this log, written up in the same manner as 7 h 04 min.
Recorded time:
1 h 19 min
